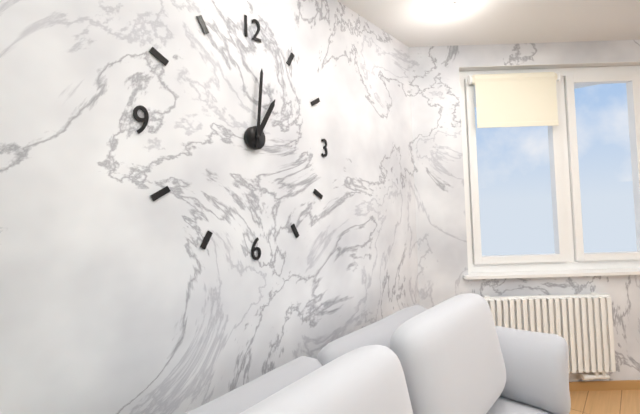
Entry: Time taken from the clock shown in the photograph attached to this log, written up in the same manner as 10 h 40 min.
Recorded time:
1 h 01 min
